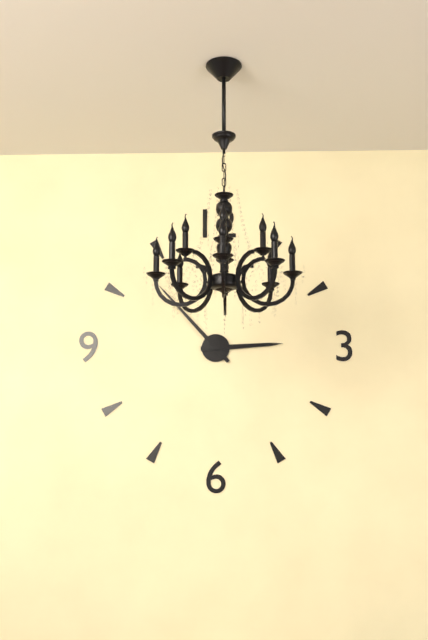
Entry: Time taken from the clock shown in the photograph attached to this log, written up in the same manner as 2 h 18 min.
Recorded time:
2 h 53 min
